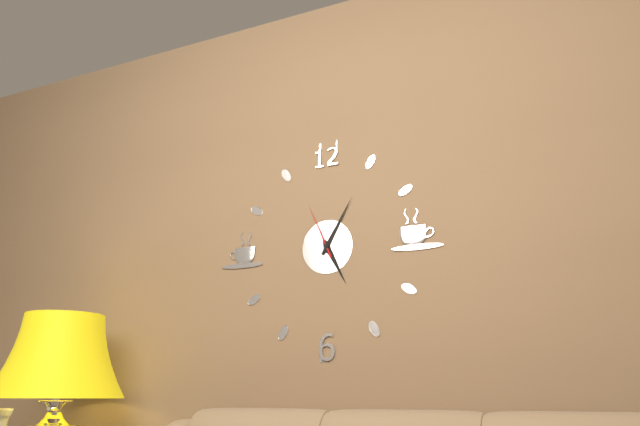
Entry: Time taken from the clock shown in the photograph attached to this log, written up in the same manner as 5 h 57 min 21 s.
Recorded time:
5 h 05 min 56 s
